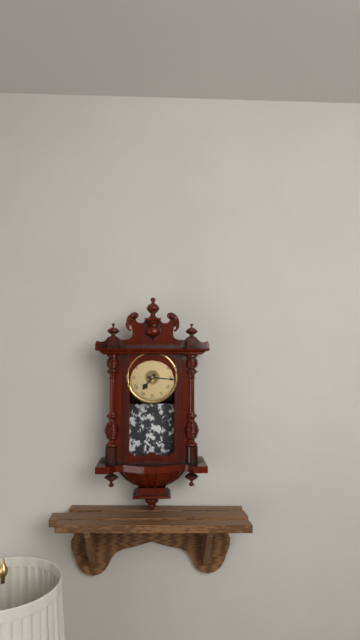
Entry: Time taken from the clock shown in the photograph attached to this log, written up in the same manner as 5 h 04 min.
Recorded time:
7 h 16 min
